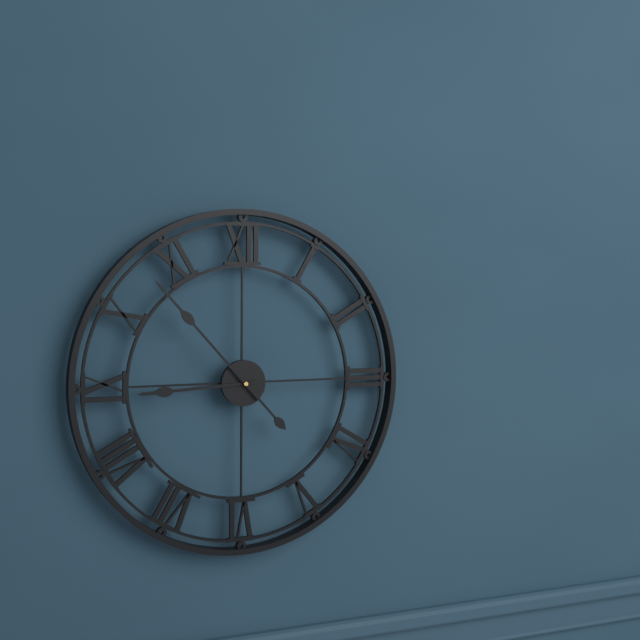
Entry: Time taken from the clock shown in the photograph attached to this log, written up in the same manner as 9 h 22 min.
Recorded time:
8 h 53 min
